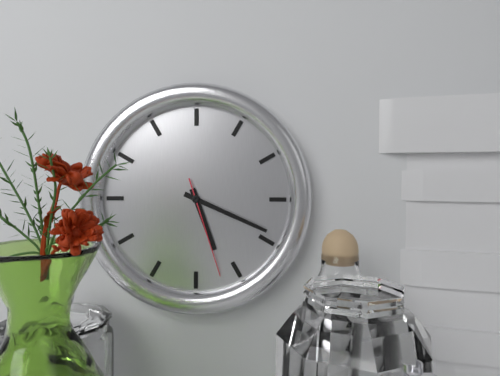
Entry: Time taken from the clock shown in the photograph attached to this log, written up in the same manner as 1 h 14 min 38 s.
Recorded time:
5 h 19 min 27 s
